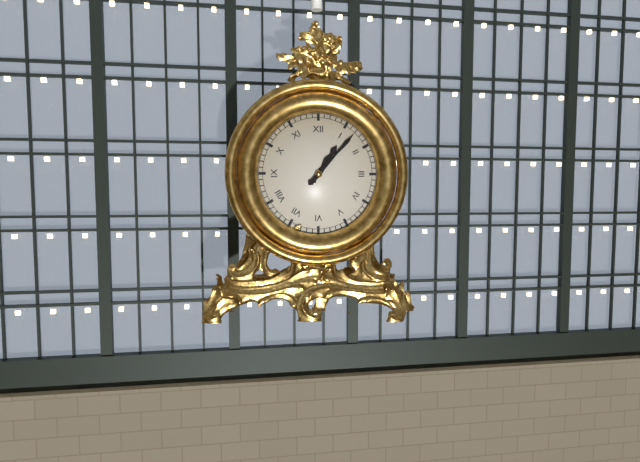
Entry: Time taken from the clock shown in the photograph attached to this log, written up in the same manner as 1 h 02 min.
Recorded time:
1 h 07 min
